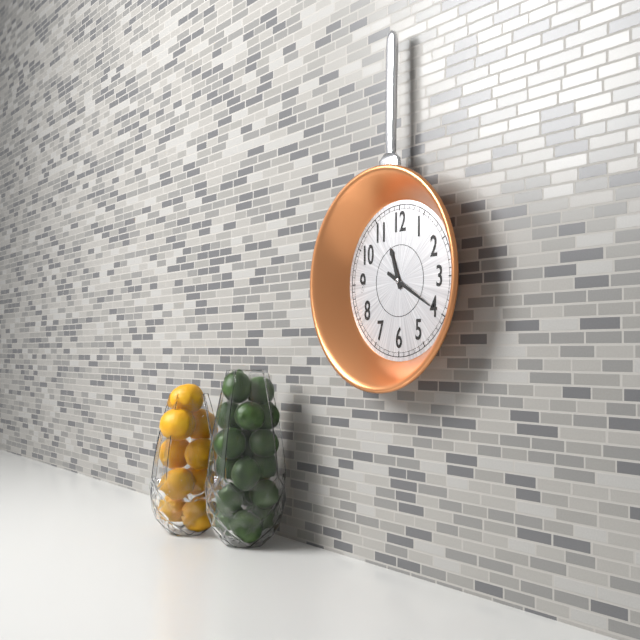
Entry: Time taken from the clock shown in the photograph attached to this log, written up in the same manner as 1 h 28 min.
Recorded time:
11 h 20 min
